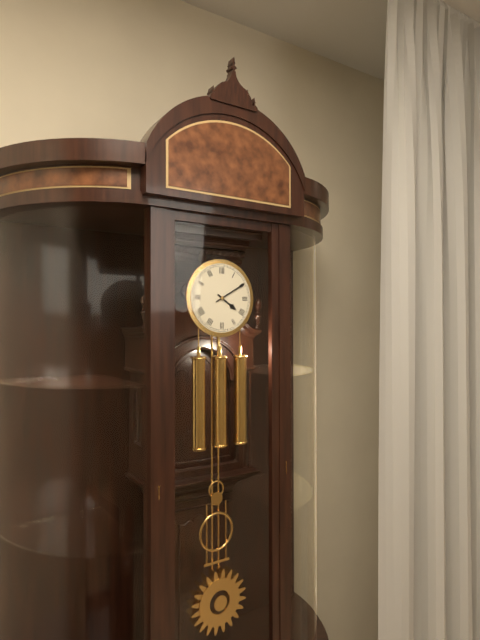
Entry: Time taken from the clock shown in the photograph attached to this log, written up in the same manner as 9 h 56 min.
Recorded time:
4 h 10 min
